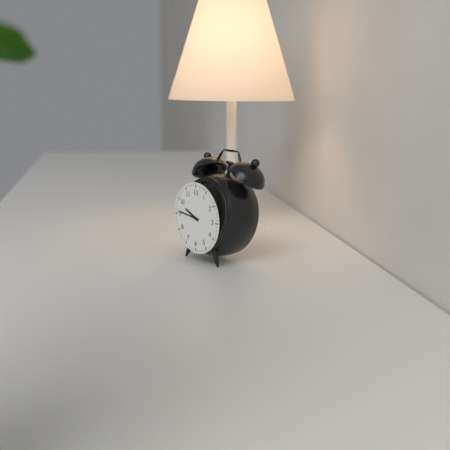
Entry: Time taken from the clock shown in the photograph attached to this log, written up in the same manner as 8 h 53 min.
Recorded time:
9 h 46 min
